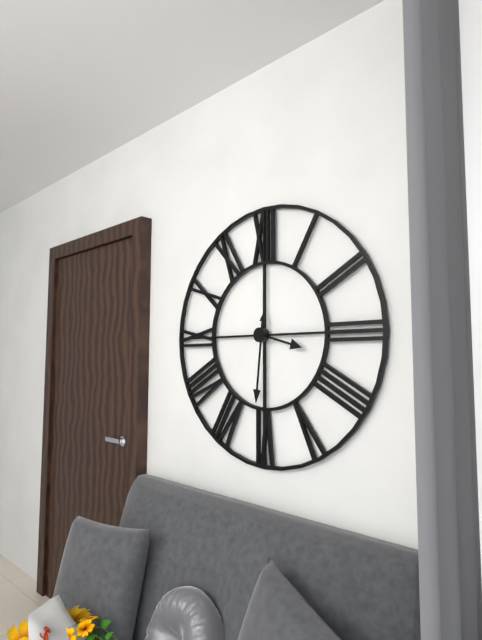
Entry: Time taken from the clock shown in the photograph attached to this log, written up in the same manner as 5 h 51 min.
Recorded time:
3 h 31 min
